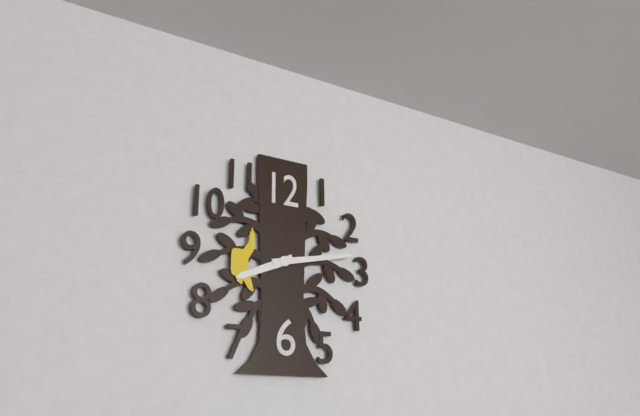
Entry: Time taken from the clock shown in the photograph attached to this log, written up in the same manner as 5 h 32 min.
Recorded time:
8 h 13 min
